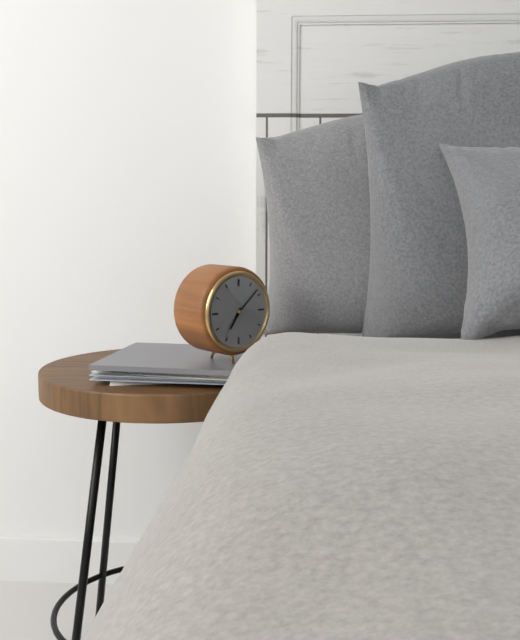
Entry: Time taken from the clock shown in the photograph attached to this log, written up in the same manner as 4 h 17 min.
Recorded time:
7 h 08 min
